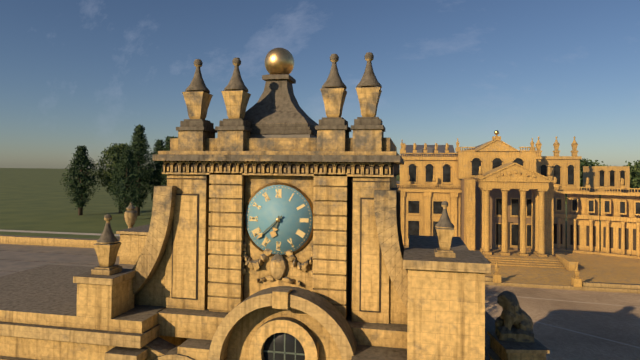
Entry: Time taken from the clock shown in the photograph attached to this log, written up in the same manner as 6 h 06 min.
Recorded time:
6 h 38 min
